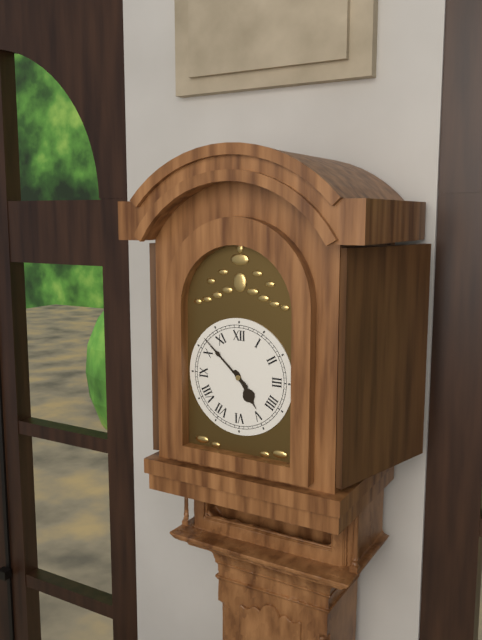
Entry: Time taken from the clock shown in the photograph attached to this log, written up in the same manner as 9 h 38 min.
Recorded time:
4 h 52 min
